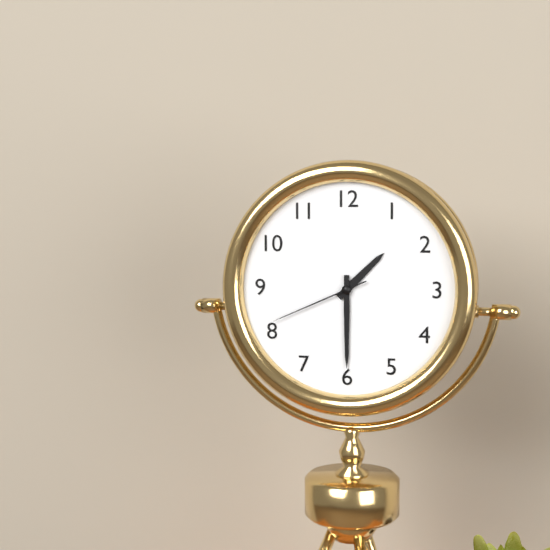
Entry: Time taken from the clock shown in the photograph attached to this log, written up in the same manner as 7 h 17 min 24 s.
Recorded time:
1 h 30 min 41 s
